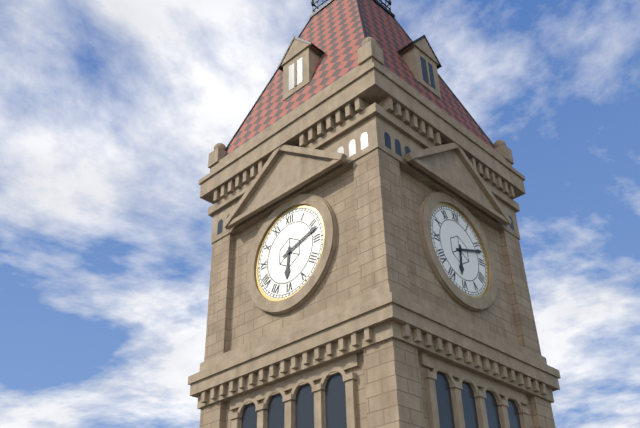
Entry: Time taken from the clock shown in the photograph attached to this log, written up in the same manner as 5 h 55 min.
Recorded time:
6 h 12 min
